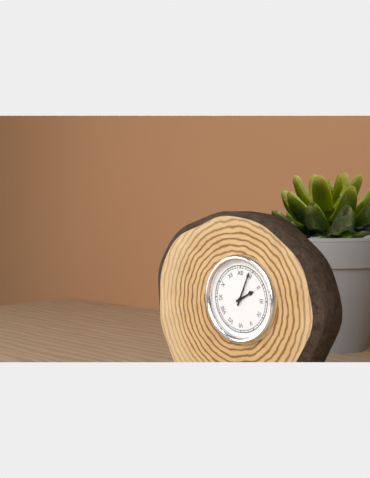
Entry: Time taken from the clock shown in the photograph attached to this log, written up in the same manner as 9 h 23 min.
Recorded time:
2 h 04 min
